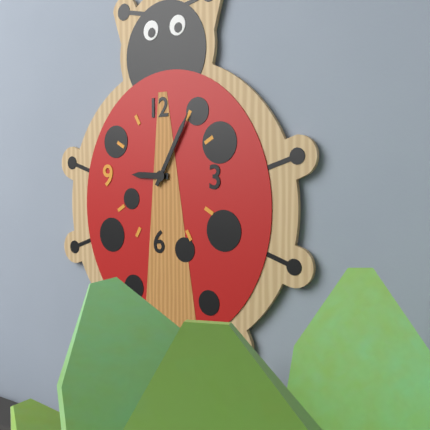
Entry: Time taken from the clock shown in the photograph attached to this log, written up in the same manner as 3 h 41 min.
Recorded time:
9 h 05 min
